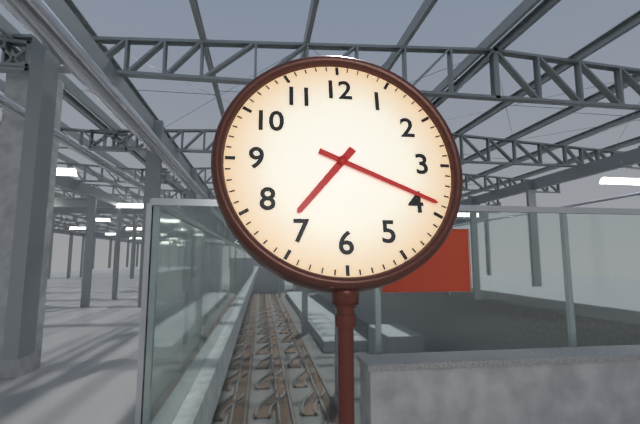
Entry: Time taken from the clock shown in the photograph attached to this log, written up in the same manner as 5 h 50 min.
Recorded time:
7 h 19 min
